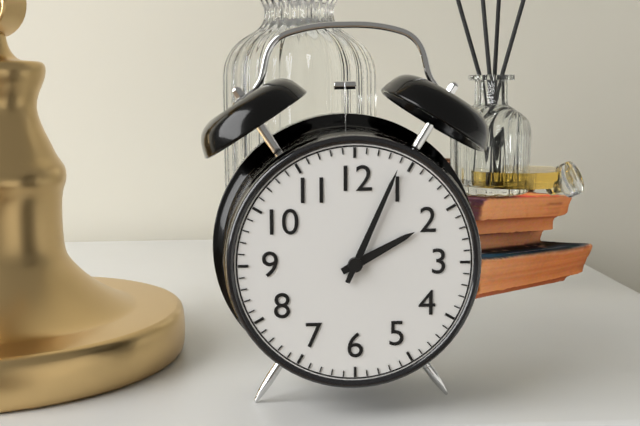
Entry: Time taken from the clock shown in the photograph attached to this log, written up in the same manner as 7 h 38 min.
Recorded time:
2 h 04 min
